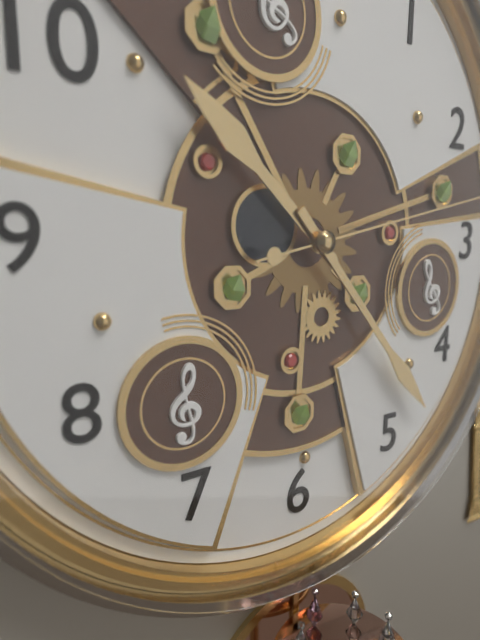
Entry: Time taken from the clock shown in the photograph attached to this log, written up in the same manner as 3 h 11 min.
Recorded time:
10 h 23 min
